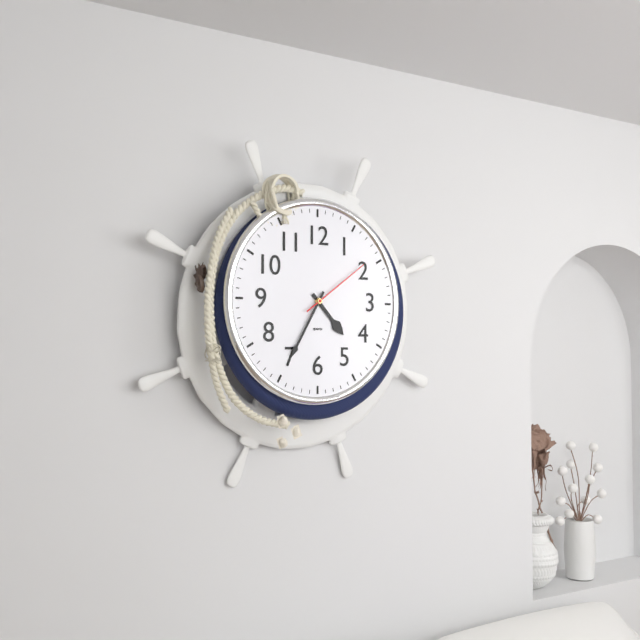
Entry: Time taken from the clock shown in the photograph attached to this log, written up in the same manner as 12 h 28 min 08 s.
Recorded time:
4 h 35 min 09 s
